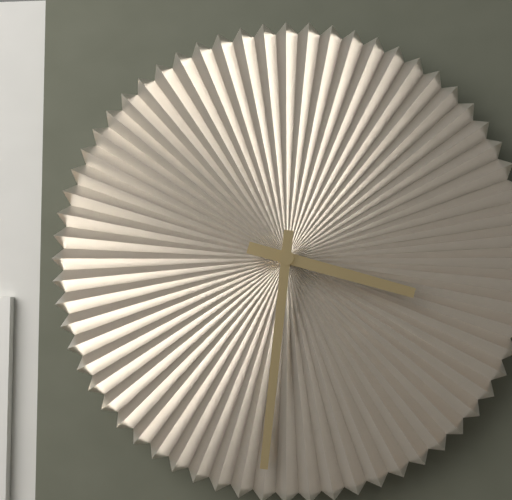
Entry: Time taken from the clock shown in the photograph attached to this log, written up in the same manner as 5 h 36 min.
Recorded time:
3 h 31 min
